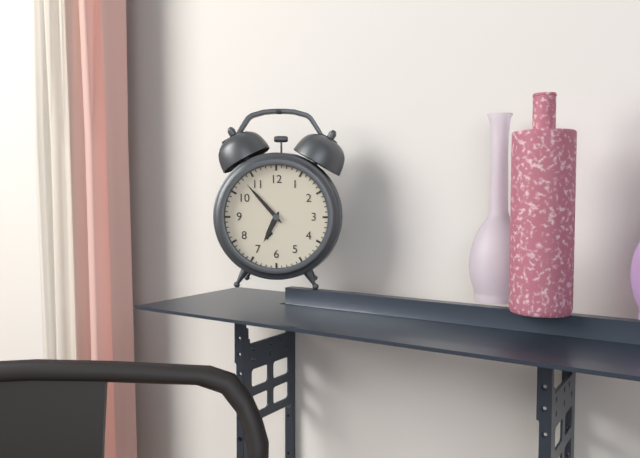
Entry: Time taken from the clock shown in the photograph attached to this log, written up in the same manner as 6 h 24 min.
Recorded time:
6 h 53 min
